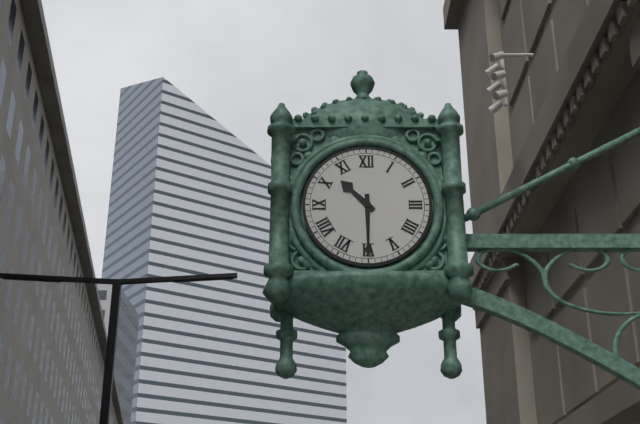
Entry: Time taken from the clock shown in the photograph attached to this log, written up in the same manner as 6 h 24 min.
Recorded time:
10 h 30 min
